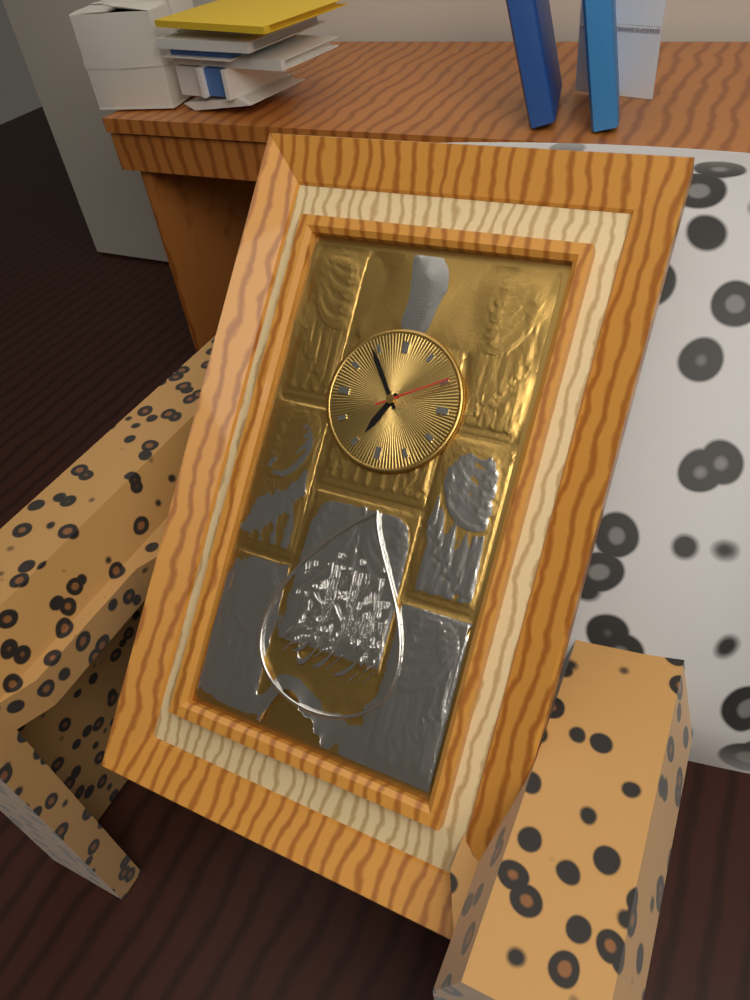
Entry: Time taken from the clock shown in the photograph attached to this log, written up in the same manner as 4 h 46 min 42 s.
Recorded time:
6 h 54 min 10 s
